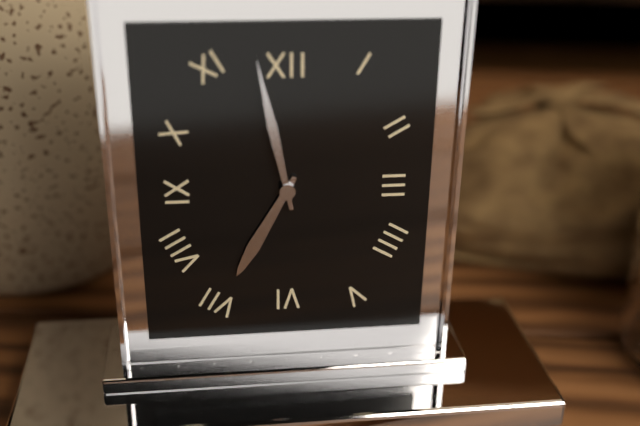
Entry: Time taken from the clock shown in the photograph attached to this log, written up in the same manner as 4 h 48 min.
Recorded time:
6 h 58 min
